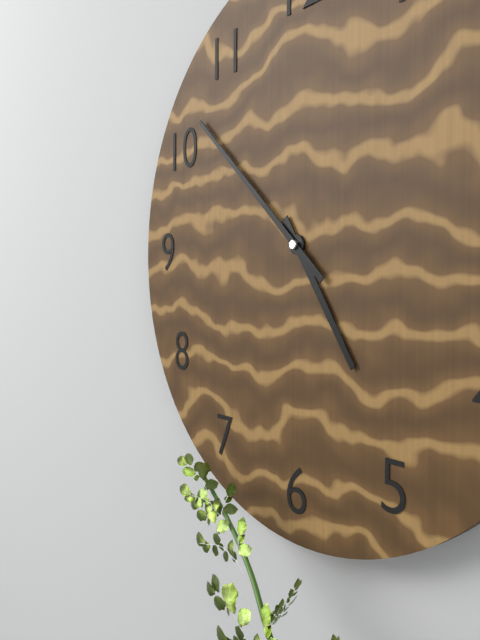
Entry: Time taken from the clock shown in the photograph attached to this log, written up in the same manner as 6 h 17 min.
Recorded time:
4 h 52 min
